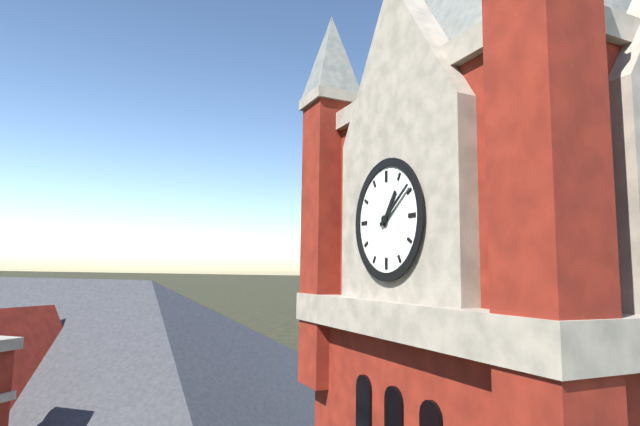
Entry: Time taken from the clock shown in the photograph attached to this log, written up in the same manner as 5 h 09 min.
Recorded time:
1 h 09 min
